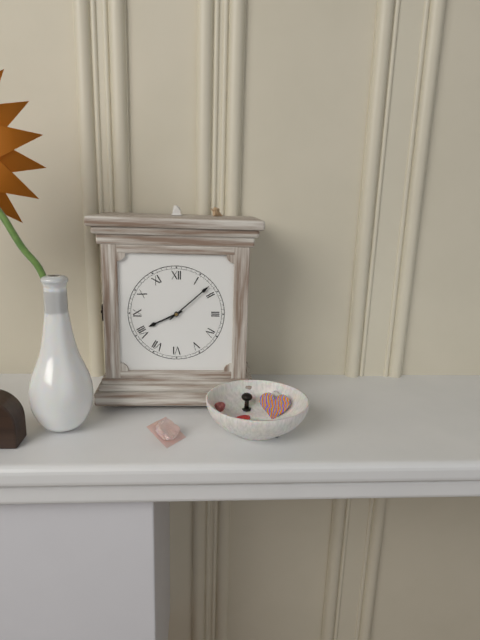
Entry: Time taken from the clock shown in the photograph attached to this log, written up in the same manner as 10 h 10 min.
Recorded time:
8 h 08 min
